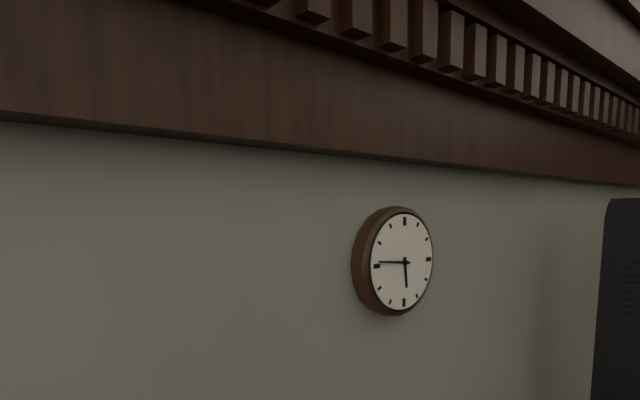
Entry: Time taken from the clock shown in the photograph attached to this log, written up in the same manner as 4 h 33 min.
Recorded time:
5 h 46 min
